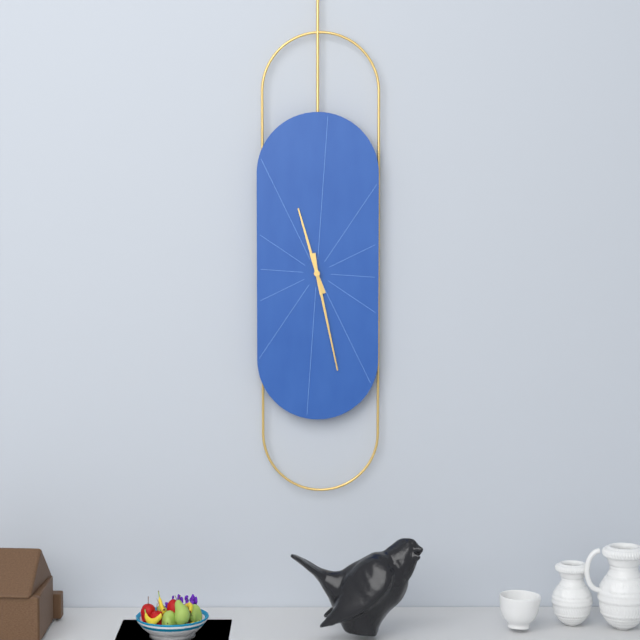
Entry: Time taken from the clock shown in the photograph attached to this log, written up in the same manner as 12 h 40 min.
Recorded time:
11 h 28 min
